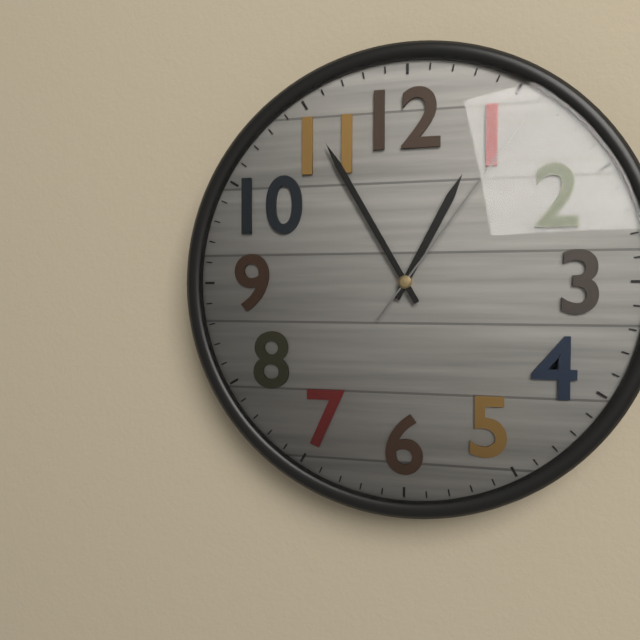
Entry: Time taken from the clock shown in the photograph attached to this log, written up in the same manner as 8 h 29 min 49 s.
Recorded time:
12 h 55 min 06 s
